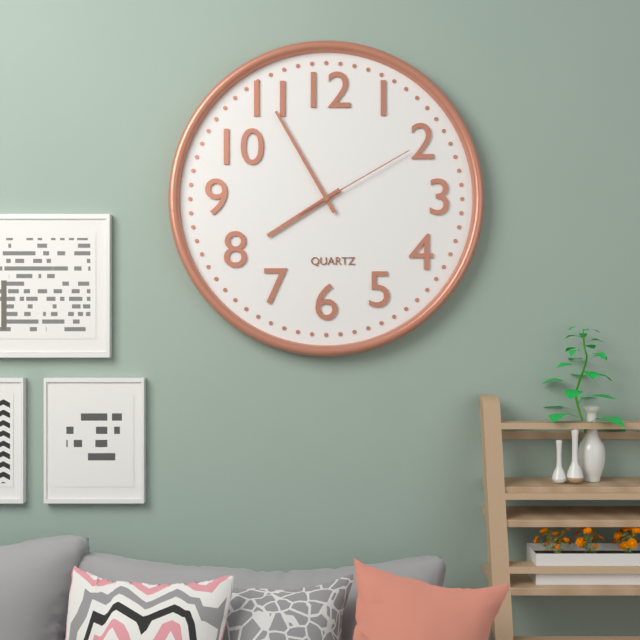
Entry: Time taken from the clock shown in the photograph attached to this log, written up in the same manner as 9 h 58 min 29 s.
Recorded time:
7 h 55 min 10 s
